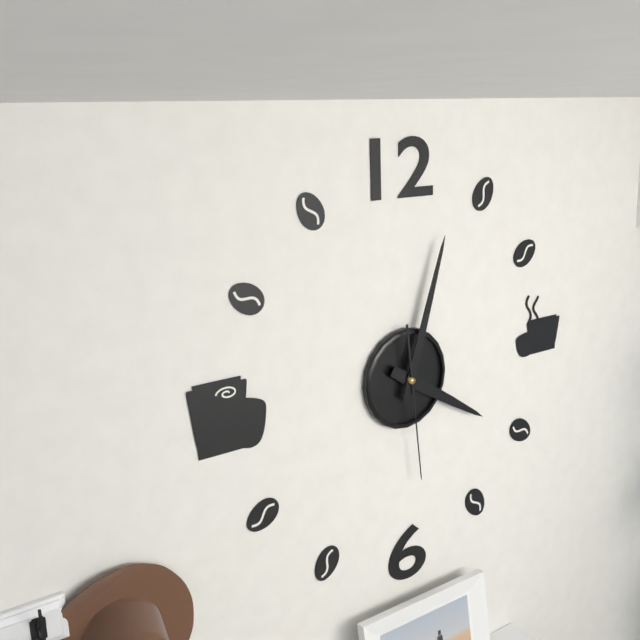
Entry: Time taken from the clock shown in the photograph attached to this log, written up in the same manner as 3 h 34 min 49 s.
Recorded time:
4 h 03 min 29 s
